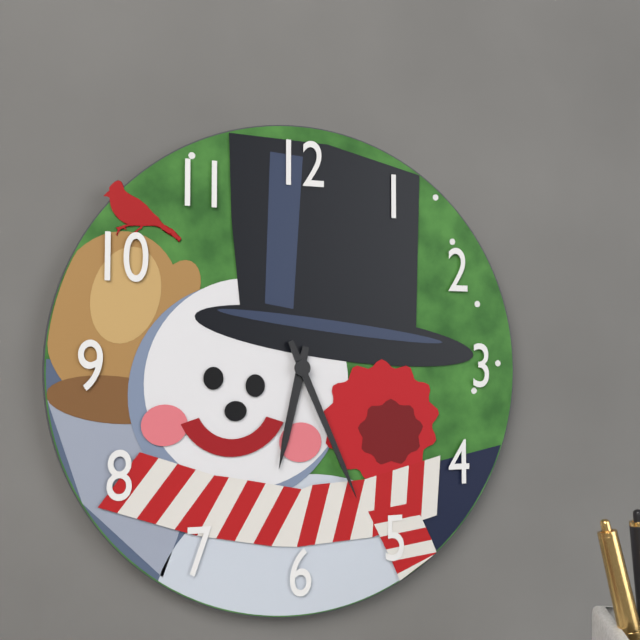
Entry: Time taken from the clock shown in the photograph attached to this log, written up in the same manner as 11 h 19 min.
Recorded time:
6 h 26 min
